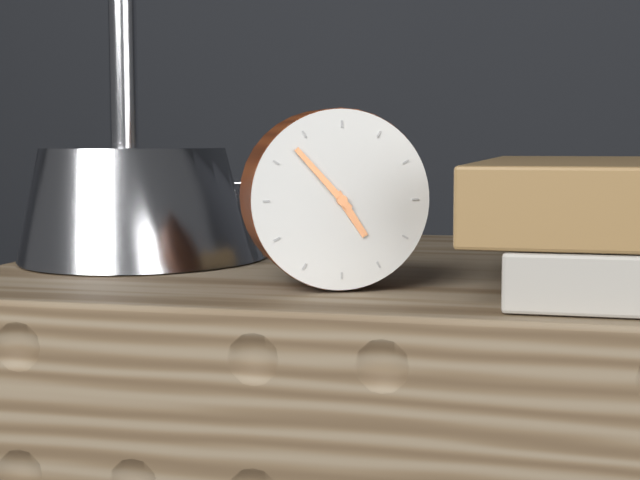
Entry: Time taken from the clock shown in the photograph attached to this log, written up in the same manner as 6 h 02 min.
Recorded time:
4 h 53 min
